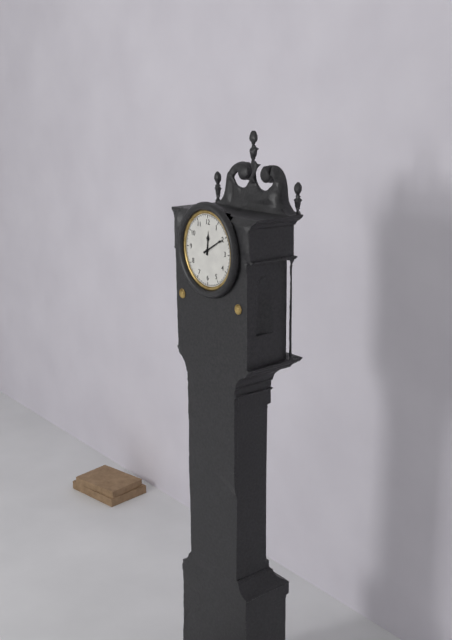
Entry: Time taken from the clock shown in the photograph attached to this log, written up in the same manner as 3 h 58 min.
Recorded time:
12 h 10 min
